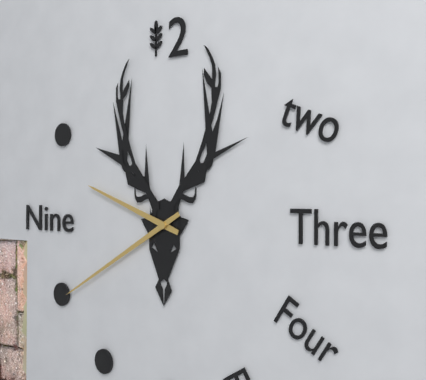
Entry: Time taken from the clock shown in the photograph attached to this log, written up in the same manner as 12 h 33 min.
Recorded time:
9 h 40 min
